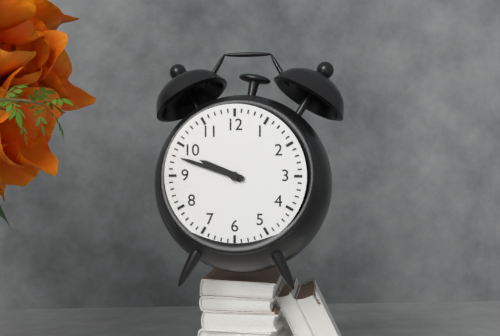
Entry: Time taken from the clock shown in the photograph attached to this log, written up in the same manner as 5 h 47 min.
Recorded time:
9 h 48 min
